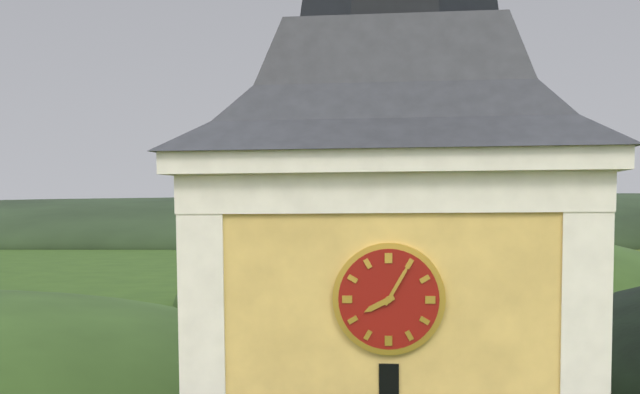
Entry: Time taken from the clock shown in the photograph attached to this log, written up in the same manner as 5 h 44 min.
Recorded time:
8 h 05 min
